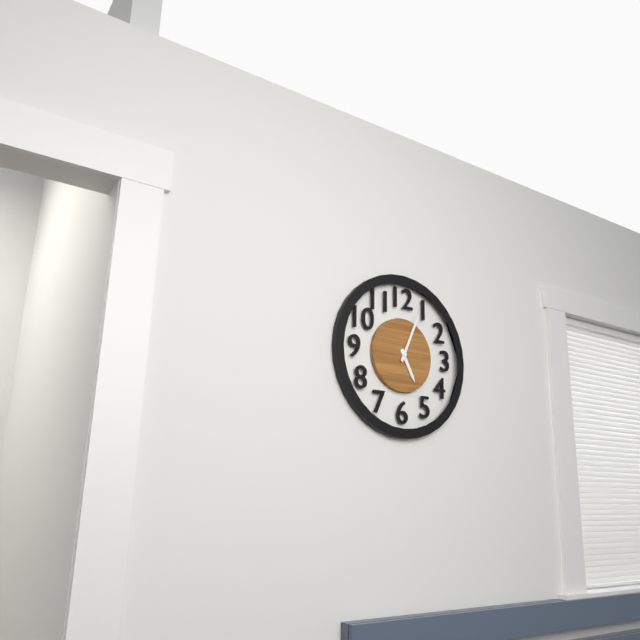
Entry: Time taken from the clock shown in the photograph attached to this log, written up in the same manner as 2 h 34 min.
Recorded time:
5 h 04 min
